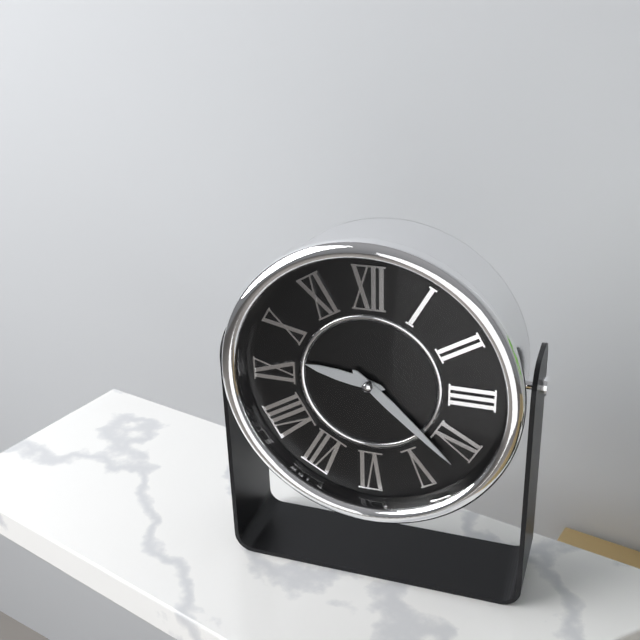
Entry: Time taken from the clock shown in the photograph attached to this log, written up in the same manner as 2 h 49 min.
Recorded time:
9 h 22 min
